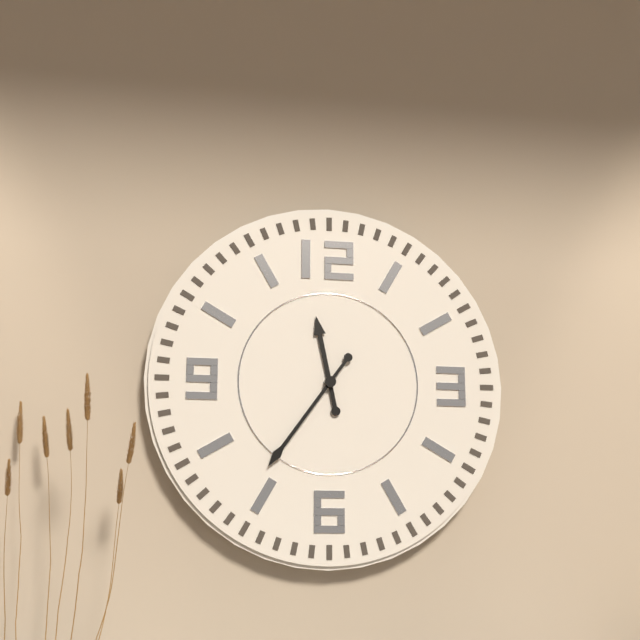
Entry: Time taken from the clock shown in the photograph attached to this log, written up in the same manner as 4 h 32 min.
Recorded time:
11 h 36 min
